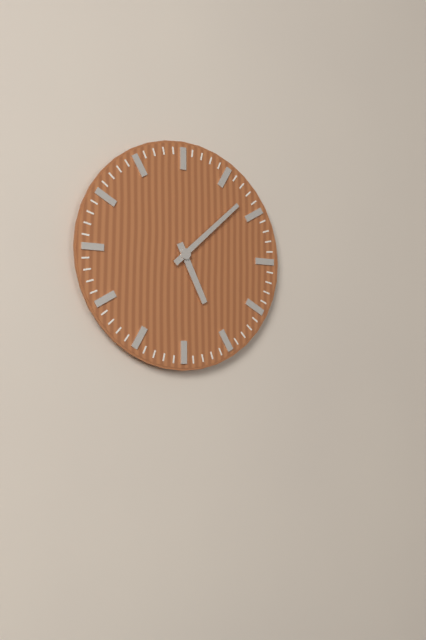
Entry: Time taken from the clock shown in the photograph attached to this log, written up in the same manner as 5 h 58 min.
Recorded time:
5 h 08 min
